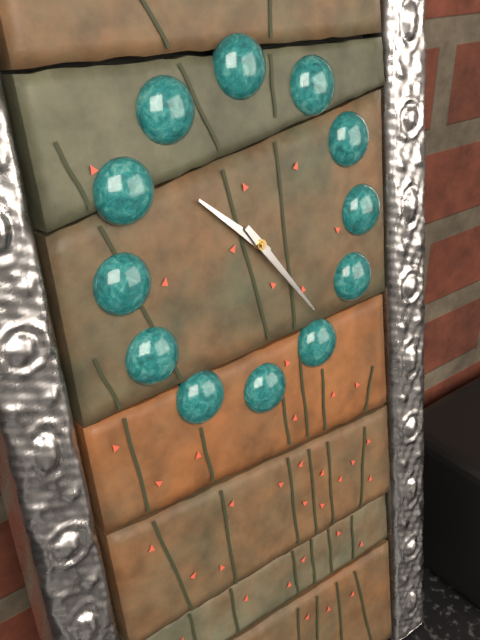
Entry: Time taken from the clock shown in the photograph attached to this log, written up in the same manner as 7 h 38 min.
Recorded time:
10 h 24 min
